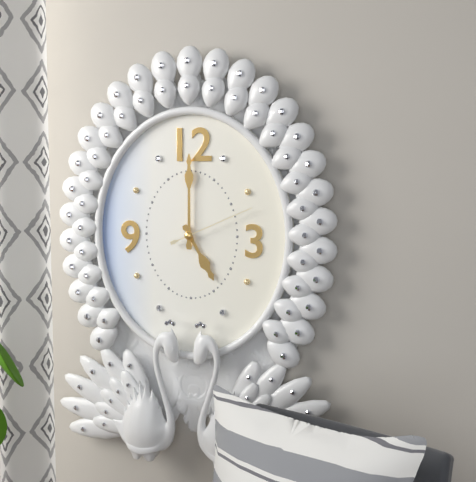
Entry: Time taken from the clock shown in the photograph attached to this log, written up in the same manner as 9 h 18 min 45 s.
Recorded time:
5 h 00 min 11 s
